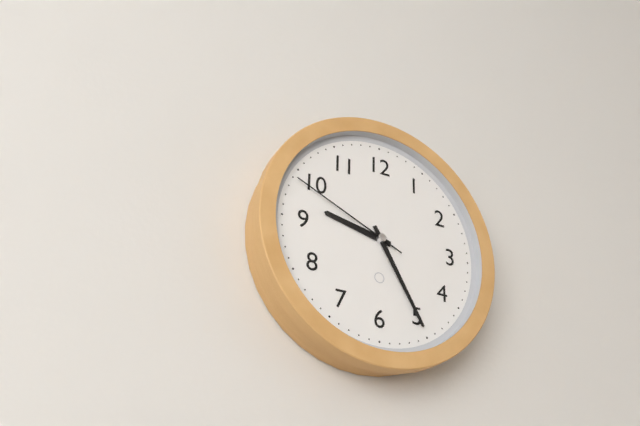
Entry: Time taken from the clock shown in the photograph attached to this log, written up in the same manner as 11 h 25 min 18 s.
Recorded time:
9 h 25 min 49 s
